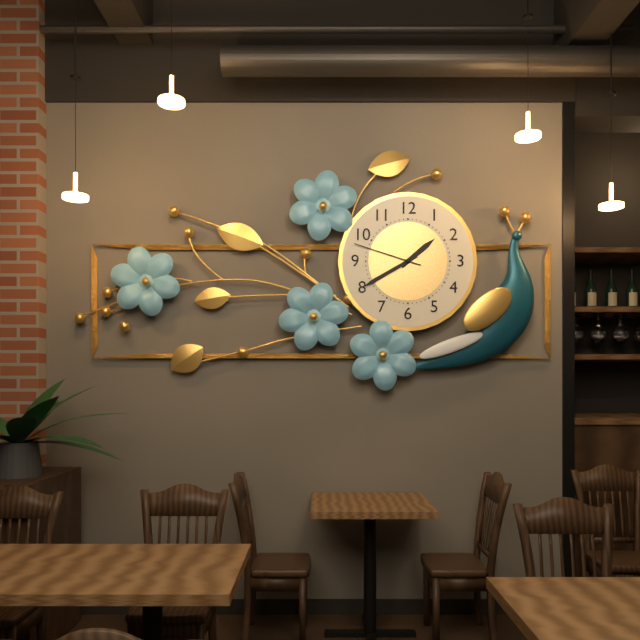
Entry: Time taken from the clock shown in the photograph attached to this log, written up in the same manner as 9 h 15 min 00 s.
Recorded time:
1 h 40 min 48 s
